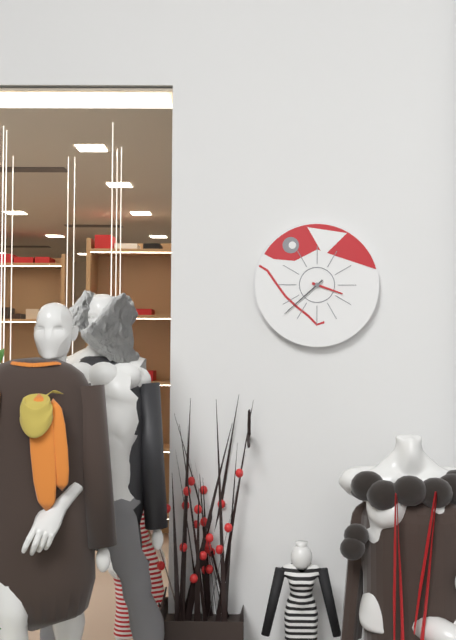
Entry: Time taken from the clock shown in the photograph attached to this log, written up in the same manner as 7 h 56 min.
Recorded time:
3 h 38 min
